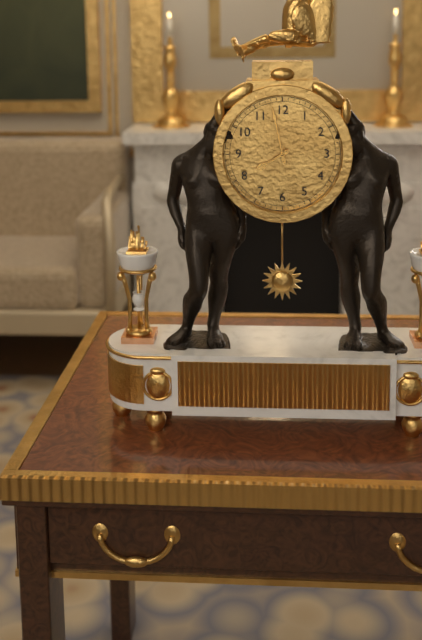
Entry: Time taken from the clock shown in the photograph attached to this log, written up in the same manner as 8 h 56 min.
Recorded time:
7 h 58 min
